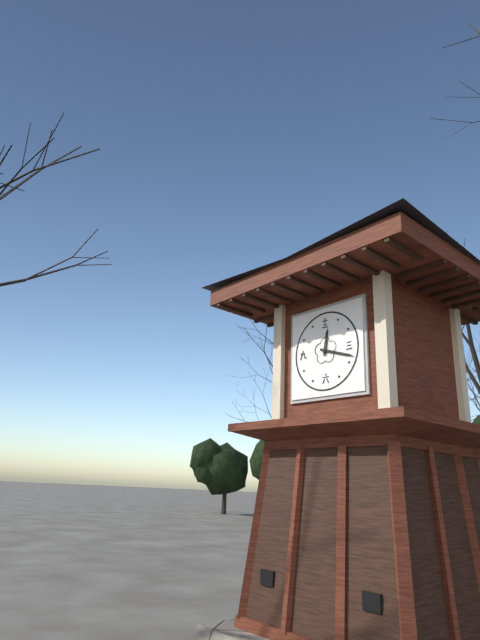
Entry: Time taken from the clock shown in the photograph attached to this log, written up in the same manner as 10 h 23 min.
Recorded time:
12 h 18 min
